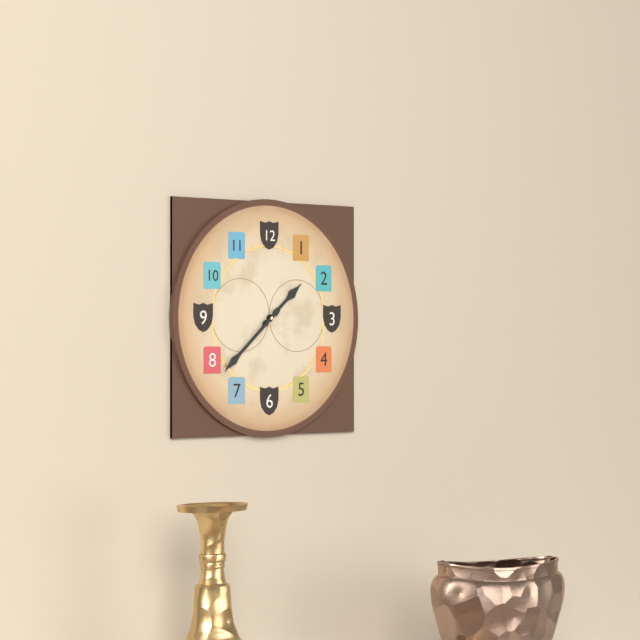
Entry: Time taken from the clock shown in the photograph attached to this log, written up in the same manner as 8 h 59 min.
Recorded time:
1 h 38 min
